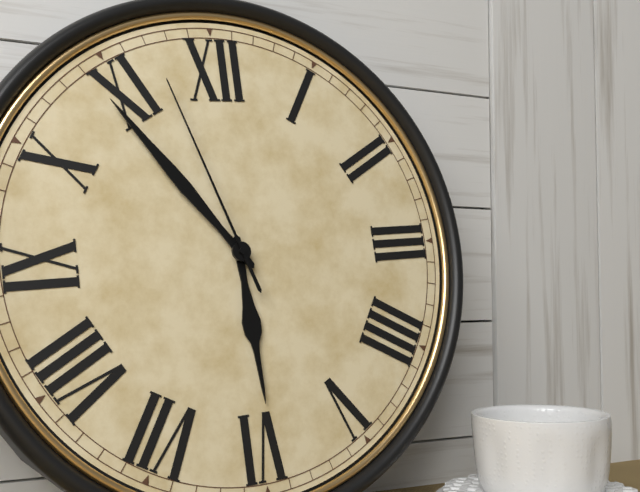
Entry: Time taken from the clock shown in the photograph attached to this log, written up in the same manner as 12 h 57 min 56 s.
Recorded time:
5 h 54 min 57 s
